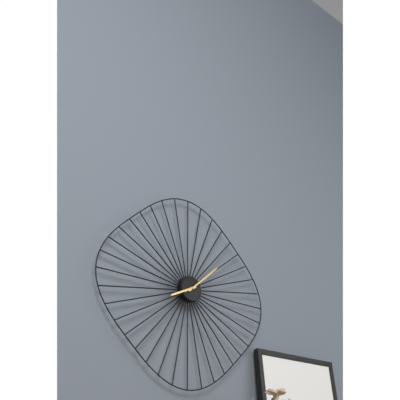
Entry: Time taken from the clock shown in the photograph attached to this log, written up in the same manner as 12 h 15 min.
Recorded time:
8 h 08 min
